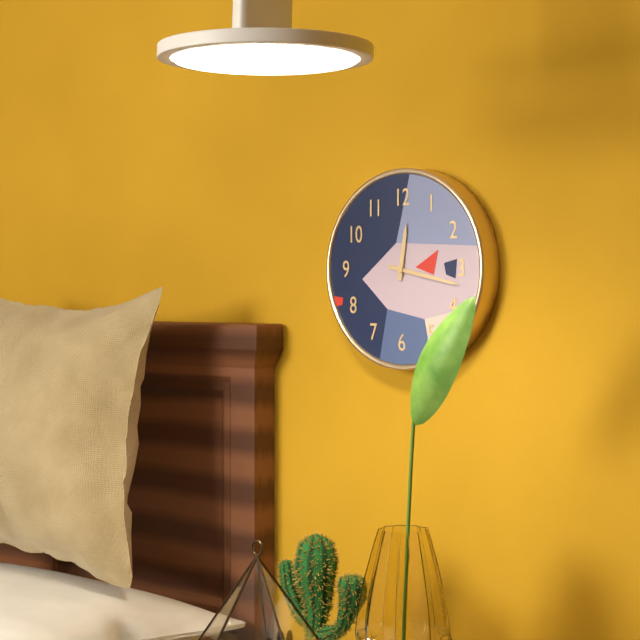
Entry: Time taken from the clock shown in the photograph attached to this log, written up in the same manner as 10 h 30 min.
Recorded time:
12 h 17 min
